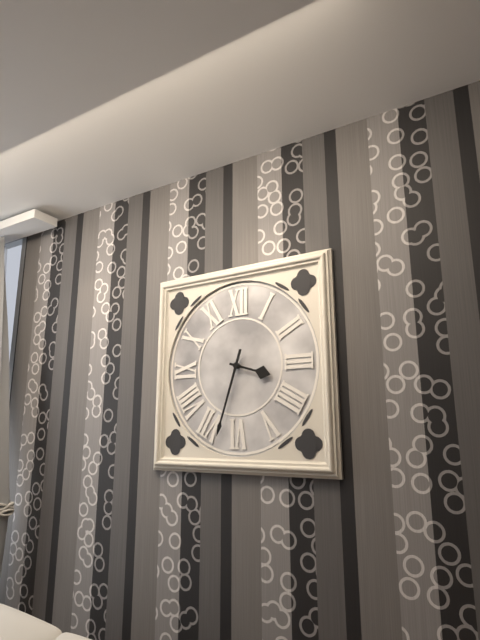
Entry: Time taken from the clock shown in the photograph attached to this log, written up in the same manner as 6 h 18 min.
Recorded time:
3 h 33 min
